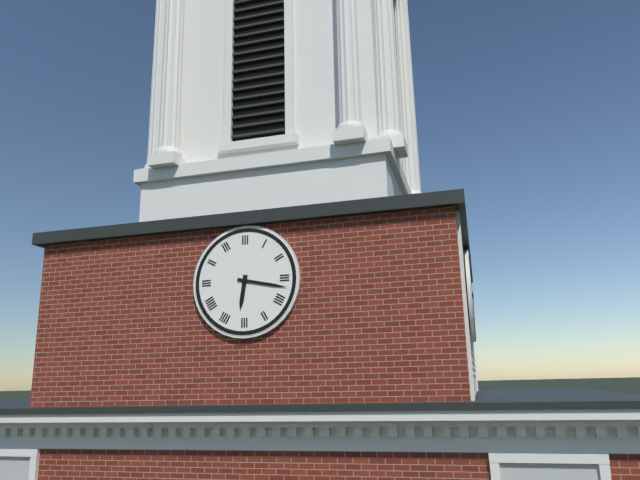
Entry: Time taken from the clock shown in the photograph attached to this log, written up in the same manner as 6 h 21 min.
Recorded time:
6 h 17 min
